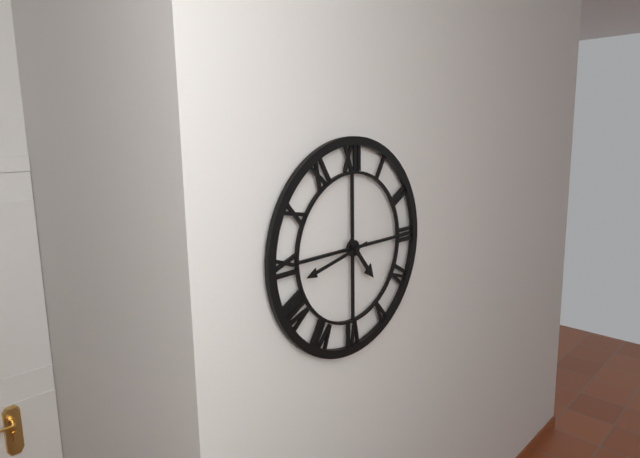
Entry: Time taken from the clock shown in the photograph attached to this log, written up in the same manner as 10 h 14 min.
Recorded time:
4 h 43 min
